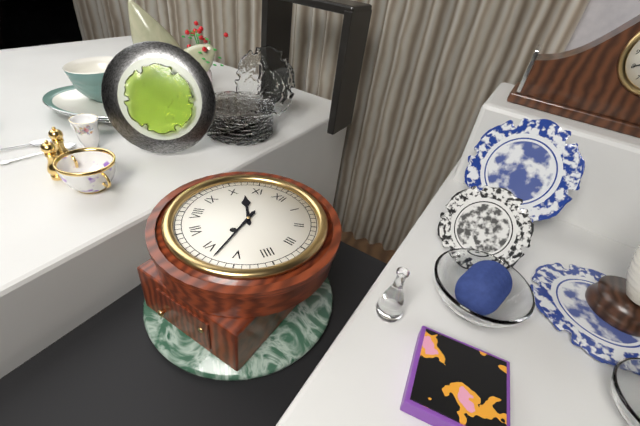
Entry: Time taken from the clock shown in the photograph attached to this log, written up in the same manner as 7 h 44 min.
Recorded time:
10 h 28 min
